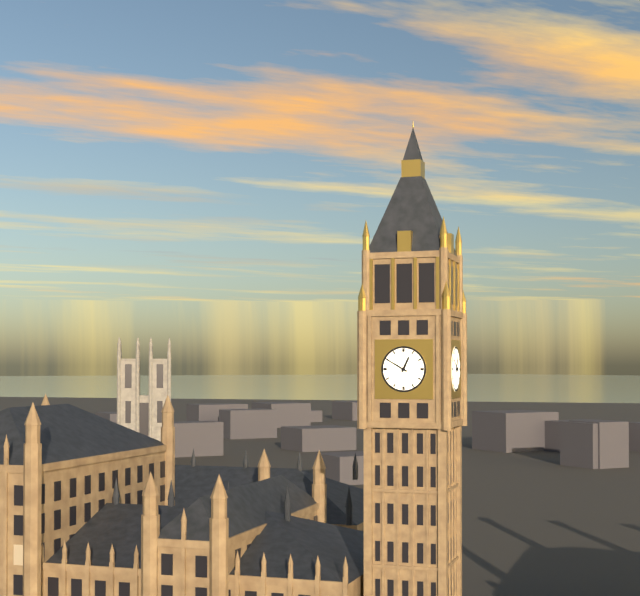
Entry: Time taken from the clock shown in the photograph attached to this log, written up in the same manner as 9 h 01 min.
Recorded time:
12 h 50 min
